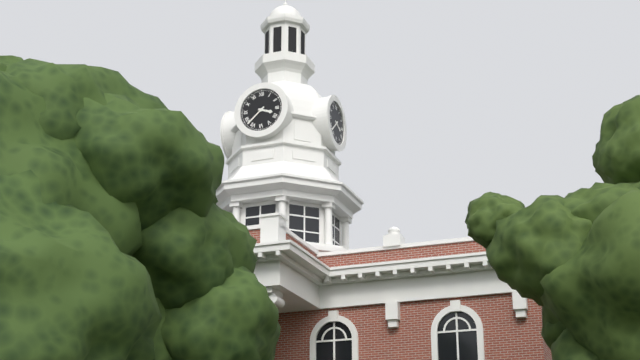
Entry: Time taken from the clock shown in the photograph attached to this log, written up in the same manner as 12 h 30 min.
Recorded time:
3 h 38 min
